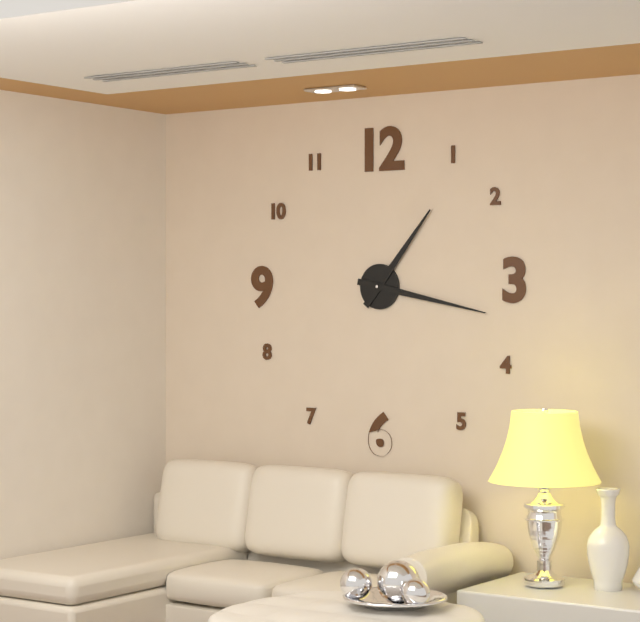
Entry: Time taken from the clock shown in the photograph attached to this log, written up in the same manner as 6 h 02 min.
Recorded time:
1 h 17 min
